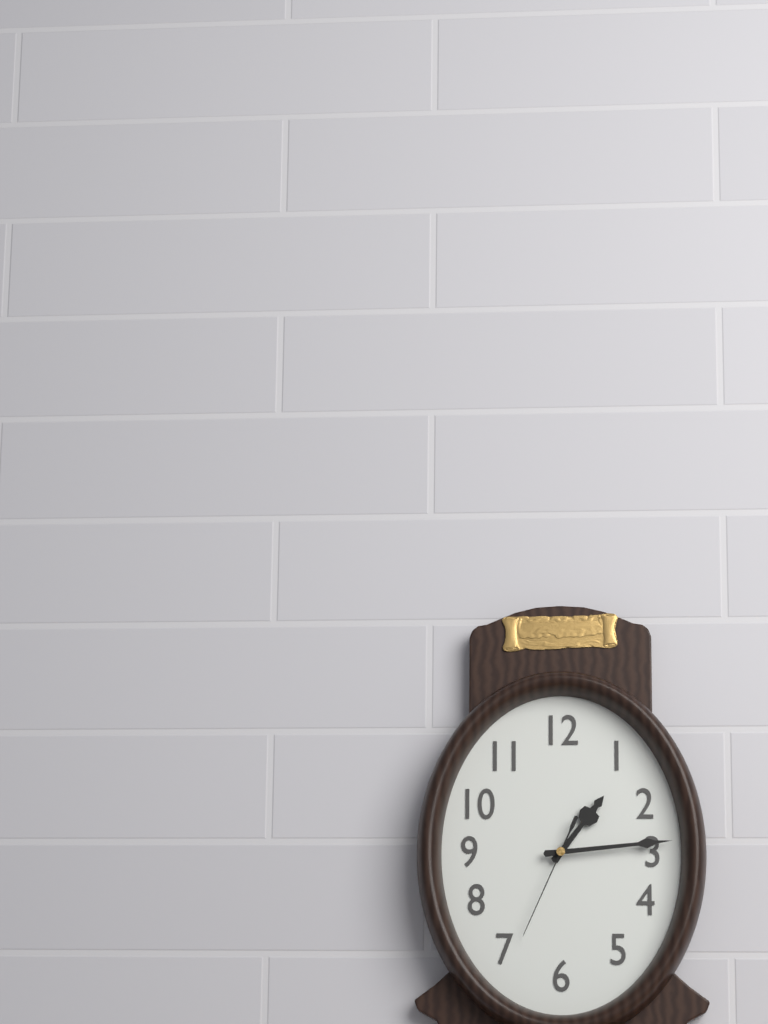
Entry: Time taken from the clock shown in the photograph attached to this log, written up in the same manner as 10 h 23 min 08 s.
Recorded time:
1 h 14 min 34 s
